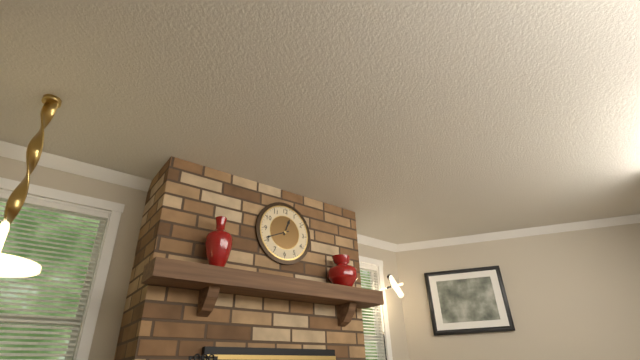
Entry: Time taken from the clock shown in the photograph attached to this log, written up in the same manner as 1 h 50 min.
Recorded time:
12 h 41 min
